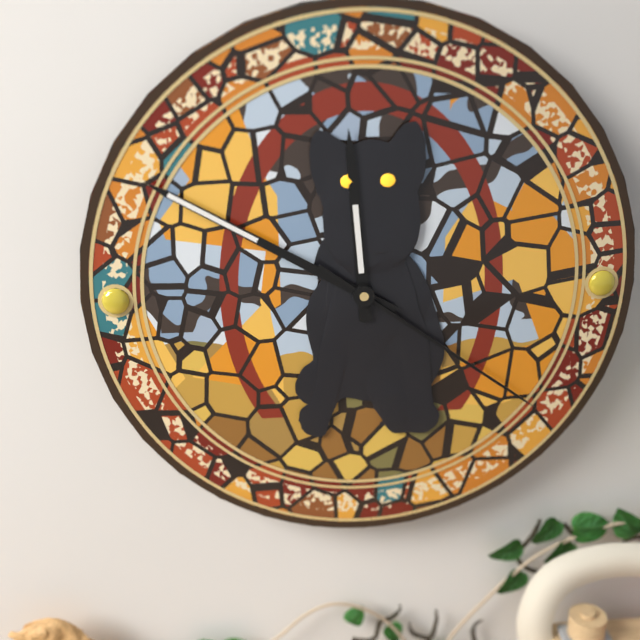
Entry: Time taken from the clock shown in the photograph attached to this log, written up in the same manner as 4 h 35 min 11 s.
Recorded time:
11 h 50 min 21 s
